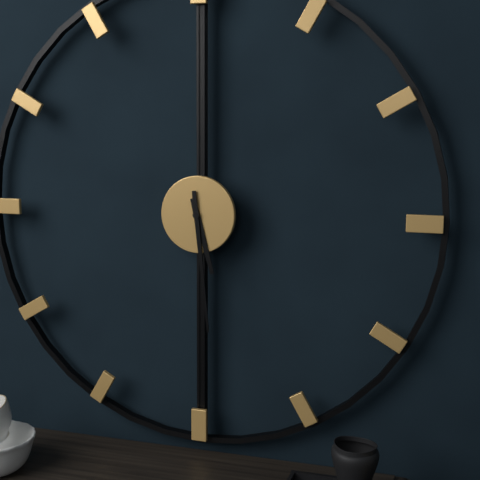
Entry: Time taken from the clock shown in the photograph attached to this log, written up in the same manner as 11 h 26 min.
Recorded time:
5 h 29 min
